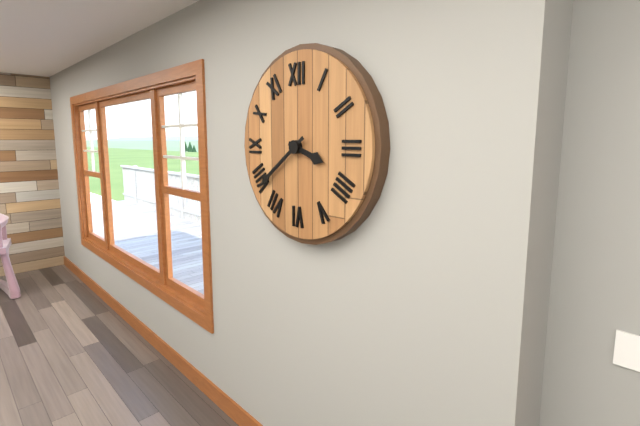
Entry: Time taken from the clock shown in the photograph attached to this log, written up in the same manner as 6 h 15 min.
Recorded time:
3 h 39 min
